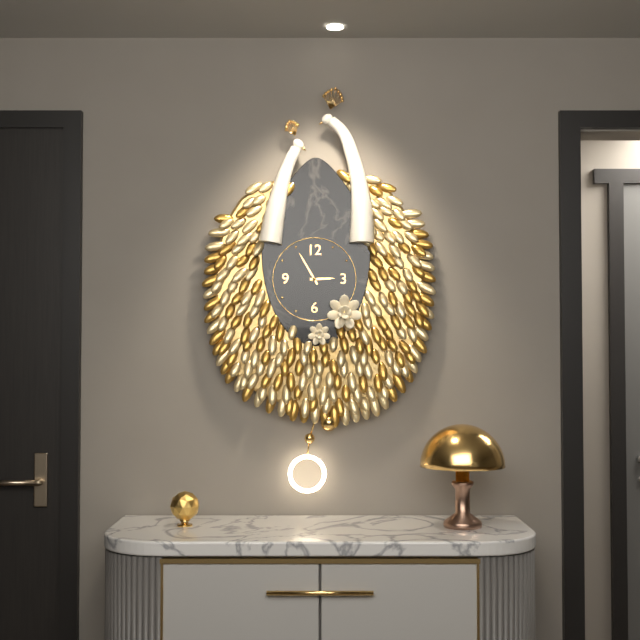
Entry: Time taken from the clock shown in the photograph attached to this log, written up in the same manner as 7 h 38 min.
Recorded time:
2 h 55 min
